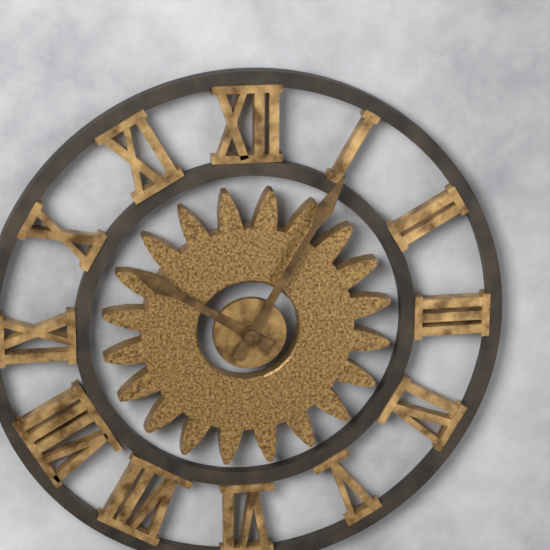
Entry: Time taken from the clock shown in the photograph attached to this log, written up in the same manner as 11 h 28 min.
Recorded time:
10 h 05 min
